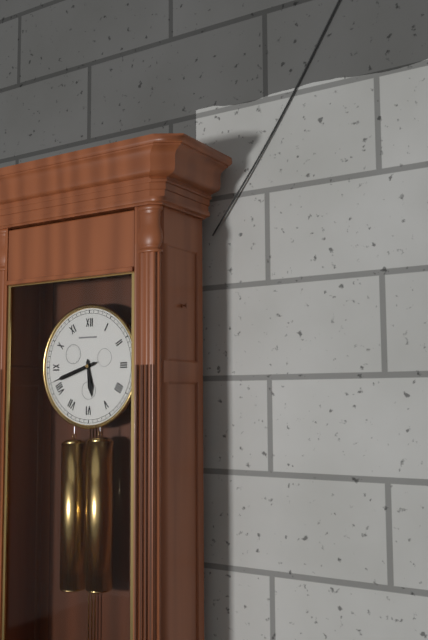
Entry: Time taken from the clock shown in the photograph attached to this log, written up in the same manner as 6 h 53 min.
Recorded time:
5 h 42 min
